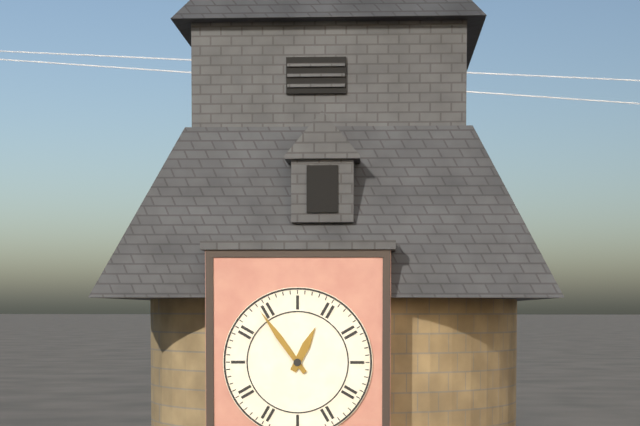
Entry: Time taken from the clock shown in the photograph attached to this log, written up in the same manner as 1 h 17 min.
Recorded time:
12 h 54 min
